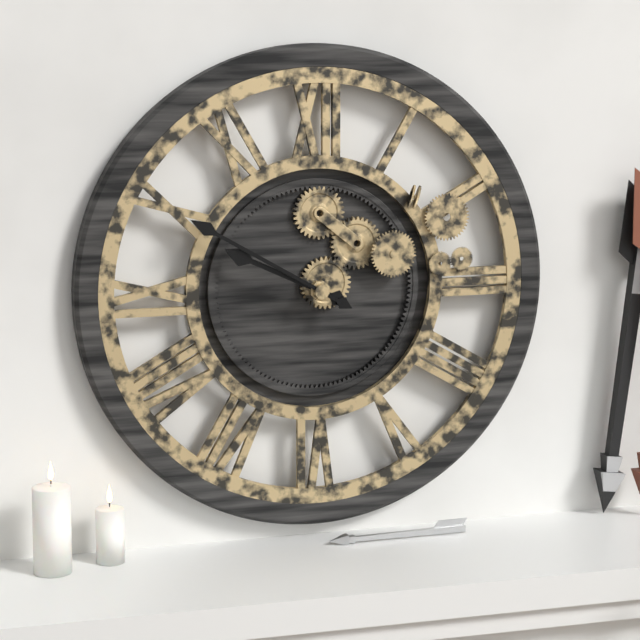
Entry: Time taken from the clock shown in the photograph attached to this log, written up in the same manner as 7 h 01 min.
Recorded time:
9 h 50 min
